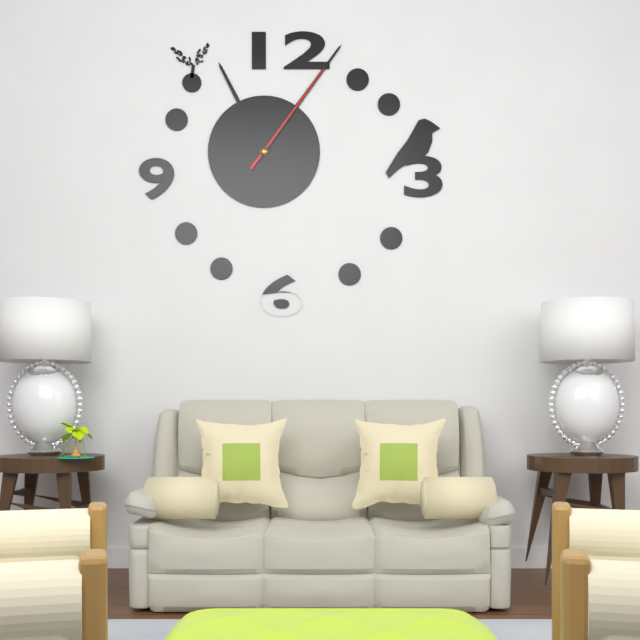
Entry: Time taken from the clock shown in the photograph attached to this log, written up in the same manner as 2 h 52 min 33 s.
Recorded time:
11 h 06 min 06 s
